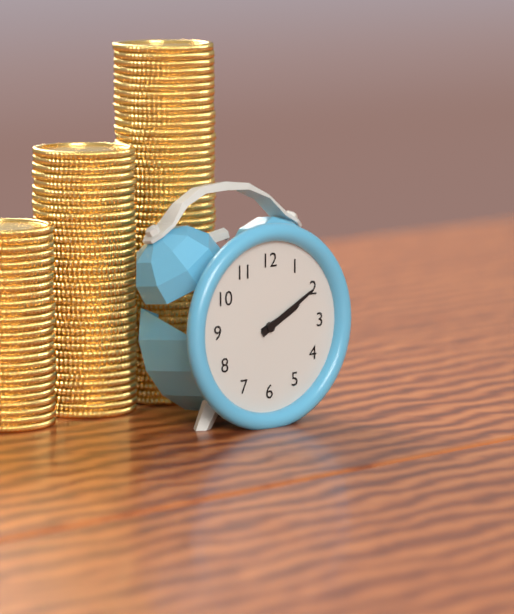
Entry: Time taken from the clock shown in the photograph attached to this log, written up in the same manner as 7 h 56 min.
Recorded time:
2 h 10 min
